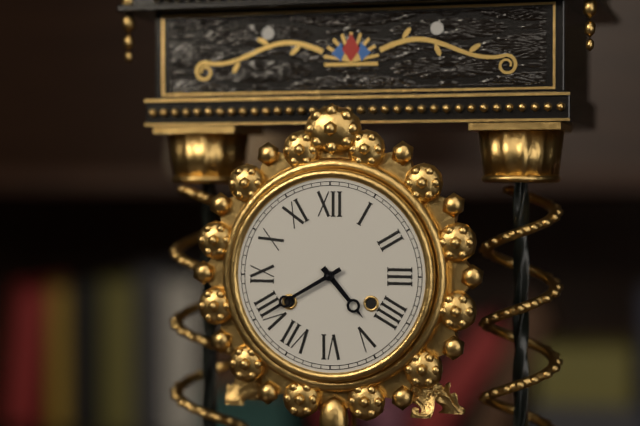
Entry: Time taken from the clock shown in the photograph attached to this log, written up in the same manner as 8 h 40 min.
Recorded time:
4 h 40 min
